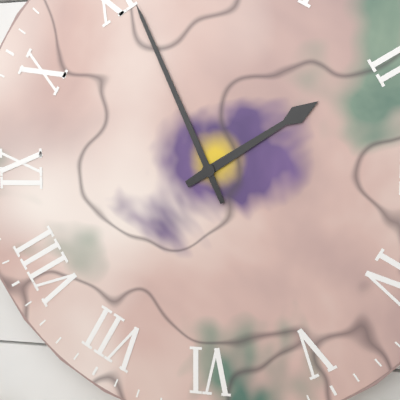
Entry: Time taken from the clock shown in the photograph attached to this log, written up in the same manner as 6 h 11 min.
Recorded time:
1 h 56 min
